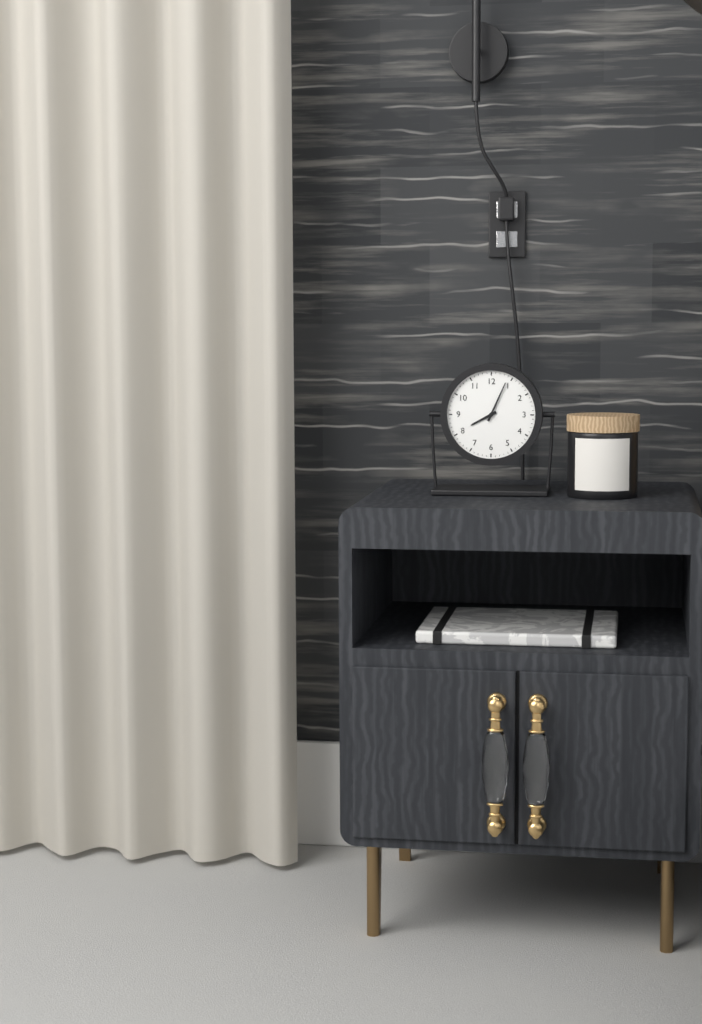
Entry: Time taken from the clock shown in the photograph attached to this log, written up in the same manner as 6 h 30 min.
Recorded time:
8 h 04 min
